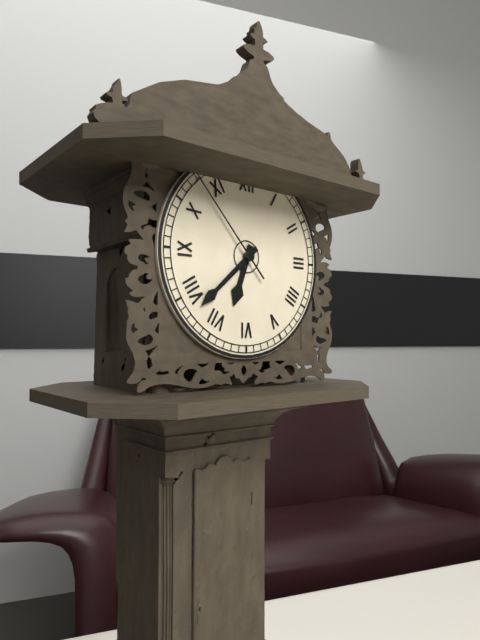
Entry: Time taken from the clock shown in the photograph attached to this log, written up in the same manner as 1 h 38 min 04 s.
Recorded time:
6 h 38 min 53 s
